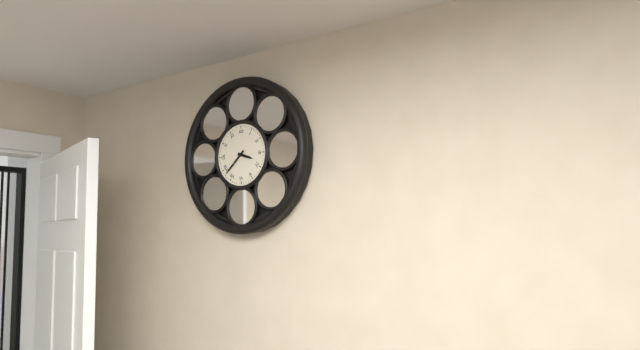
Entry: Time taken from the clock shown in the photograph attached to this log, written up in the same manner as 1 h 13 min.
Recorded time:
3 h 38 min
